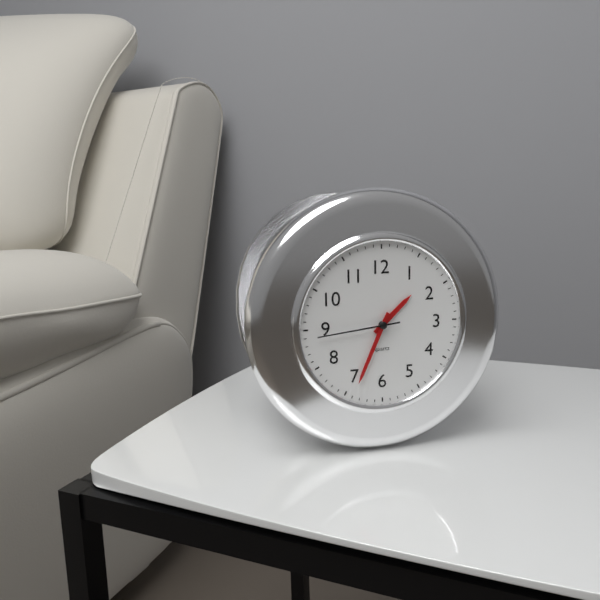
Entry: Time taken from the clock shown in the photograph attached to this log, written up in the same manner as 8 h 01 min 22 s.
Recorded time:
1 h 34 min 44 s
